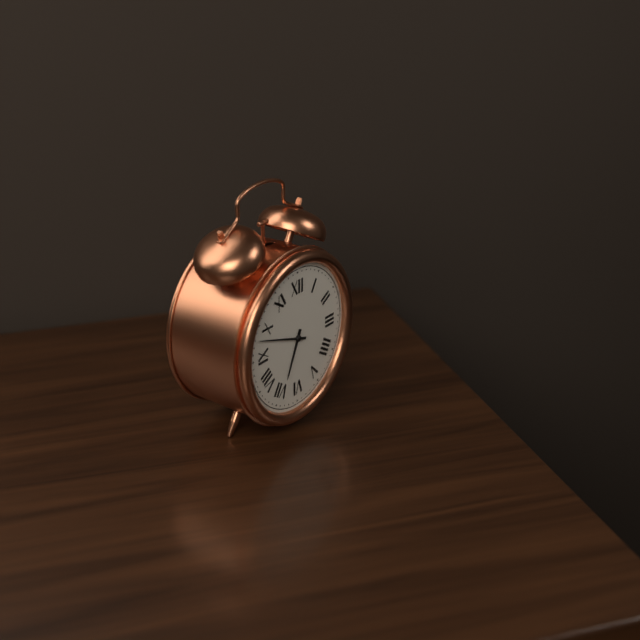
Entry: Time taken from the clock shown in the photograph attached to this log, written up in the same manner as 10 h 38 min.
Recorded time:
6 h 48 min
